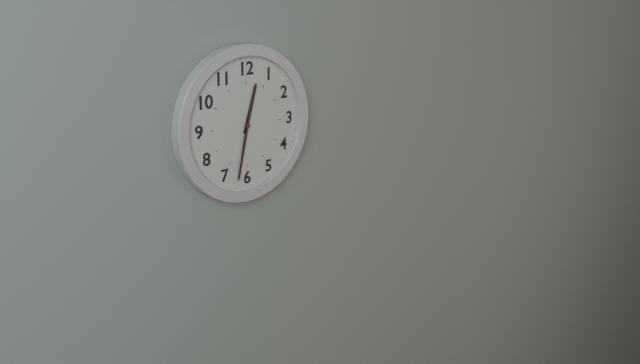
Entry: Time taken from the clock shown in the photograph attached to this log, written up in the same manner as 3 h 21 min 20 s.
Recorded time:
12 h 32 min 32 s
